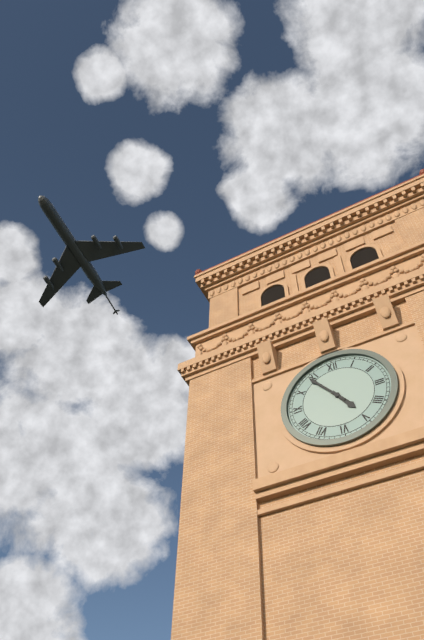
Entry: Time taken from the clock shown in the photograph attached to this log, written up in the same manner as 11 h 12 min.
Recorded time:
4 h 54 min
